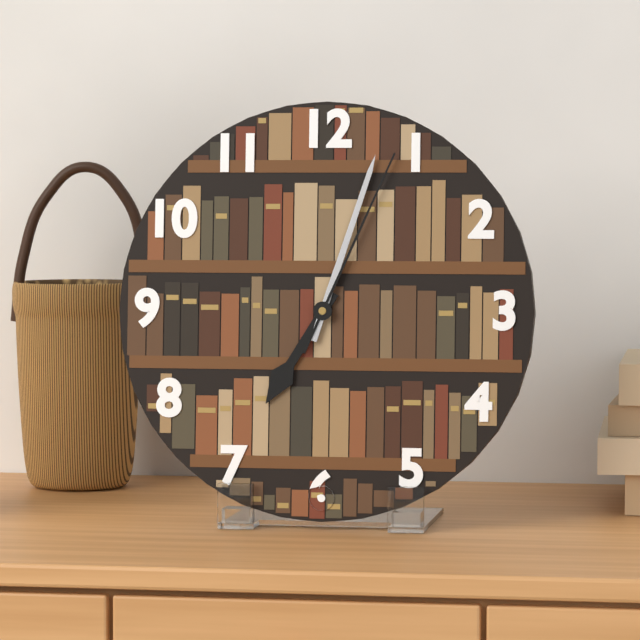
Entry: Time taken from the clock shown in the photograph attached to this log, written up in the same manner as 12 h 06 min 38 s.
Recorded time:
7 h 03 min 04 s
